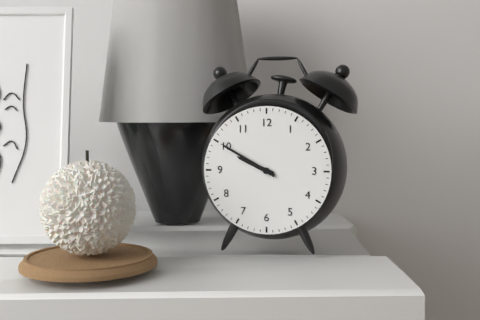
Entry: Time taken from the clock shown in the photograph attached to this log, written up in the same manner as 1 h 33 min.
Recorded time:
9 h 50 min
